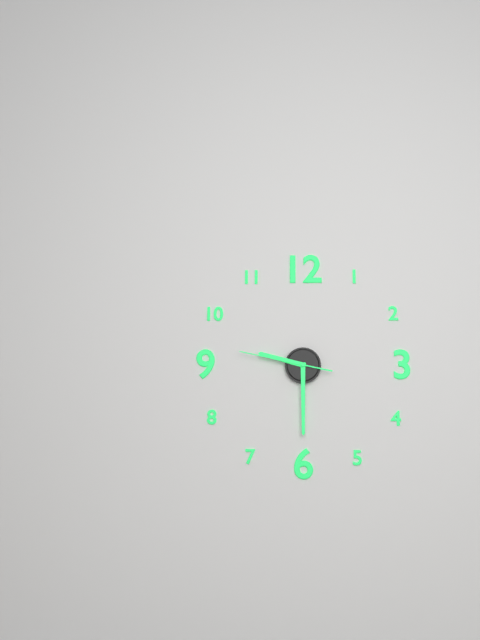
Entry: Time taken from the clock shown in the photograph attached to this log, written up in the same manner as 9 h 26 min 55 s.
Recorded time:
9 h 30 min 47 s
